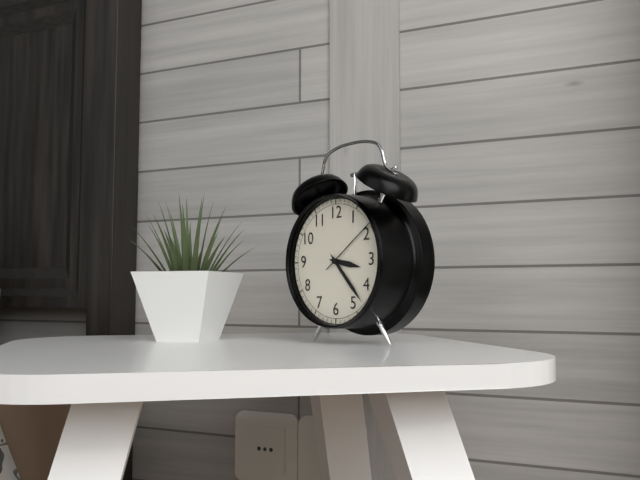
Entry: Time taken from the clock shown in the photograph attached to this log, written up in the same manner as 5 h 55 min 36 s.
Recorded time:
3 h 23 min 09 s
